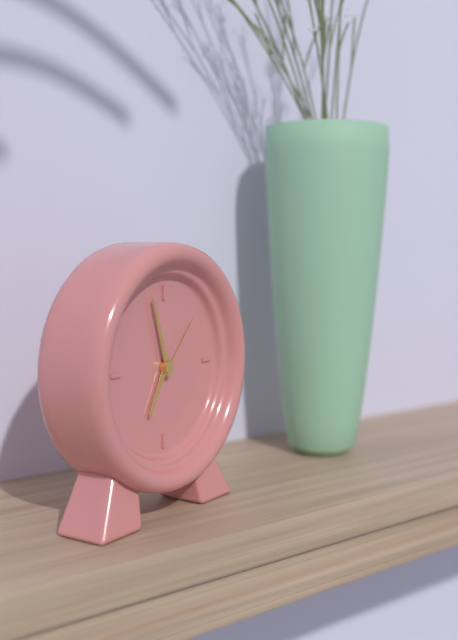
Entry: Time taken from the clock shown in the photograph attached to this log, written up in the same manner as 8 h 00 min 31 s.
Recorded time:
6 h 57 min 07 s
